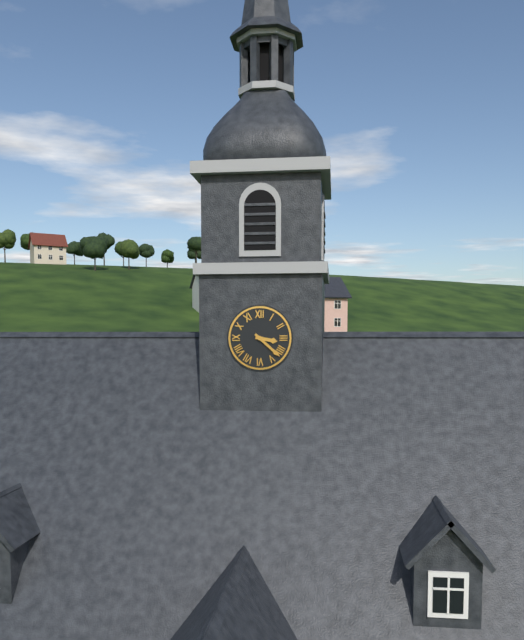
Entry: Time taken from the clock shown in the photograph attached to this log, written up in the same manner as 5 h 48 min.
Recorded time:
3 h 22 min
